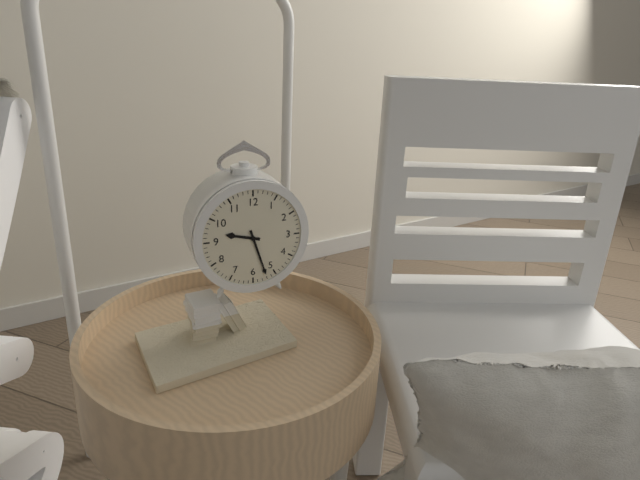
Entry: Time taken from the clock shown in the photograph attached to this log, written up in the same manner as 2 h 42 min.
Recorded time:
9 h 27 min
